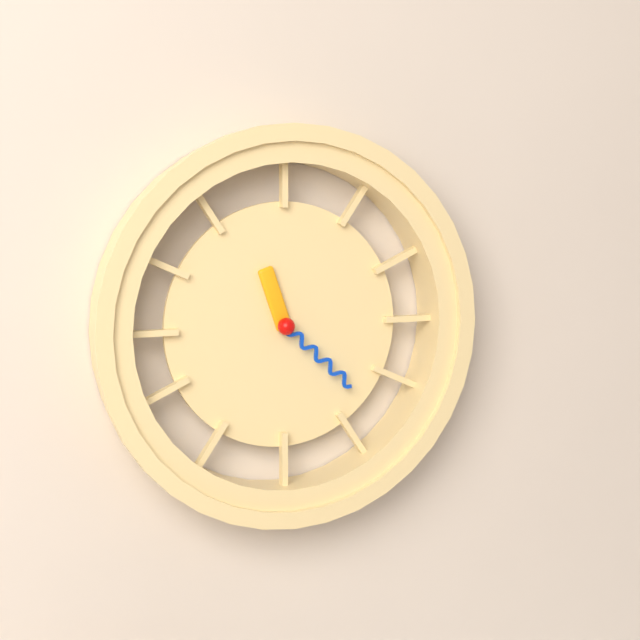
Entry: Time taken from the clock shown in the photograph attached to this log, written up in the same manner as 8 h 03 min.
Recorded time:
11 h 22 min
